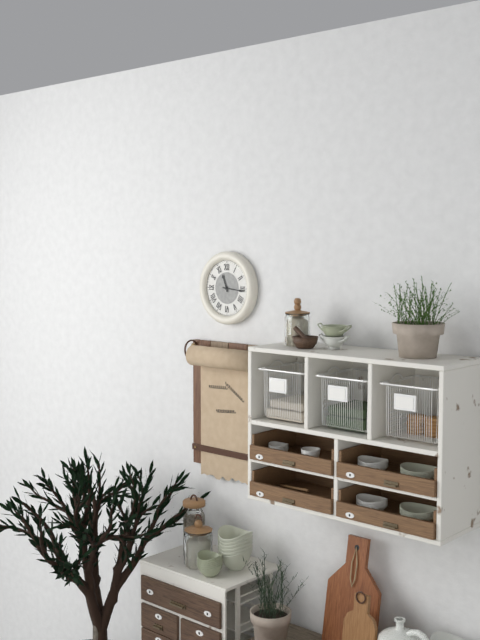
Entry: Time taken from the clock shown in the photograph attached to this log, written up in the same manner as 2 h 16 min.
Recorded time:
11 h 16 min
